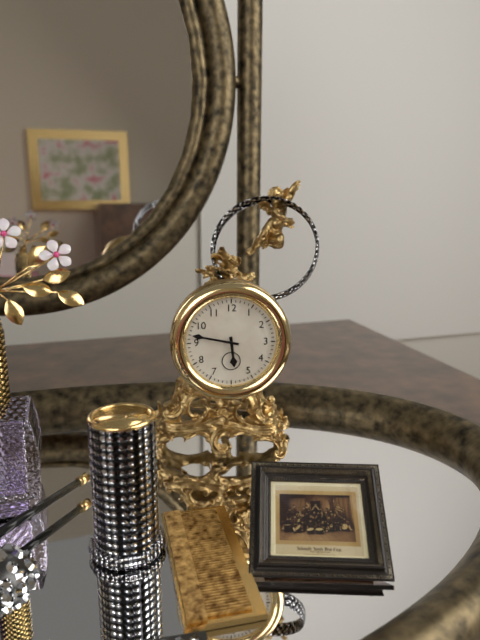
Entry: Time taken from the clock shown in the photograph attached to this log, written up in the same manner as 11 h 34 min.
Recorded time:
5 h 47 min
